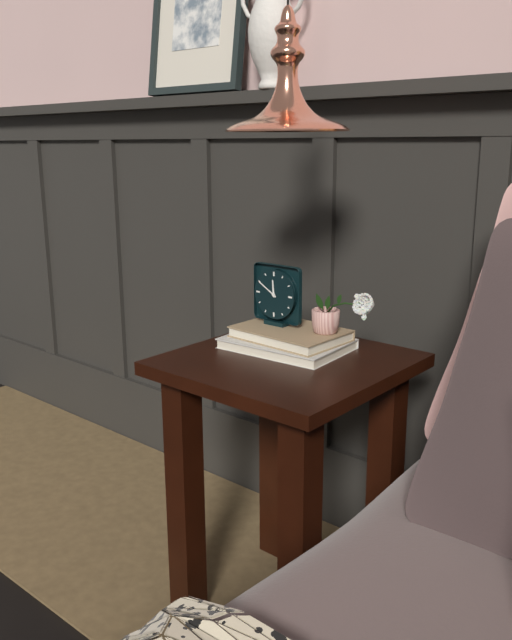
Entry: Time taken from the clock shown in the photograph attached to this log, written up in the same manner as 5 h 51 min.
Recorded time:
11 h 50 min
